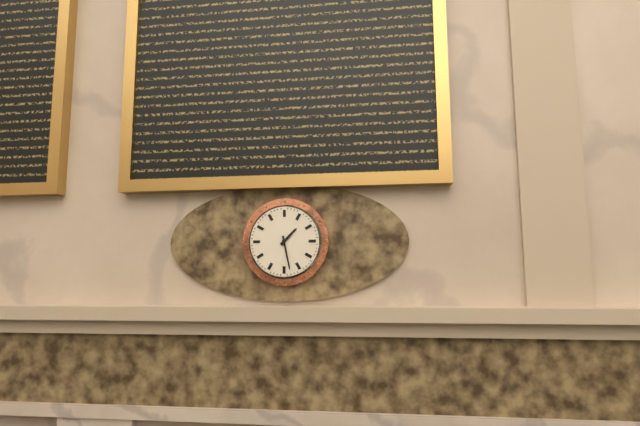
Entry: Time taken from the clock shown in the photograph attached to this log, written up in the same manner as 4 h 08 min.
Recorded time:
1 h 28 min
